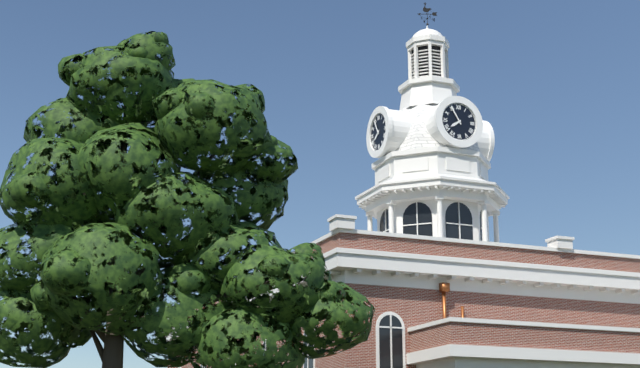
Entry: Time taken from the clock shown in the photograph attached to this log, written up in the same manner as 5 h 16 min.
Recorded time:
7 h 55 min
